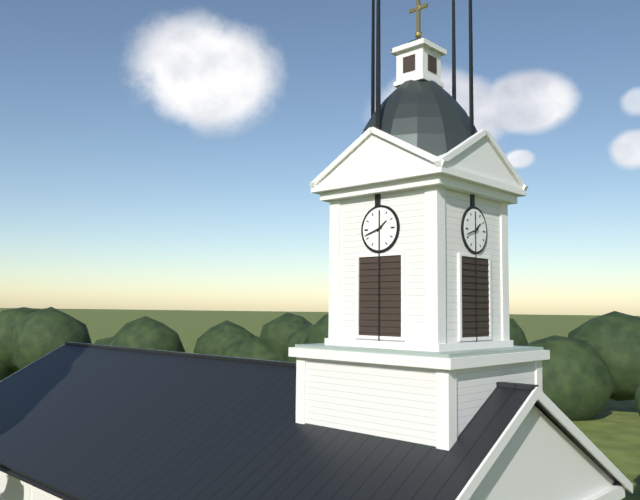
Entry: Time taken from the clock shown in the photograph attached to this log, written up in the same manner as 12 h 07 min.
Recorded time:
1 h 42 min
